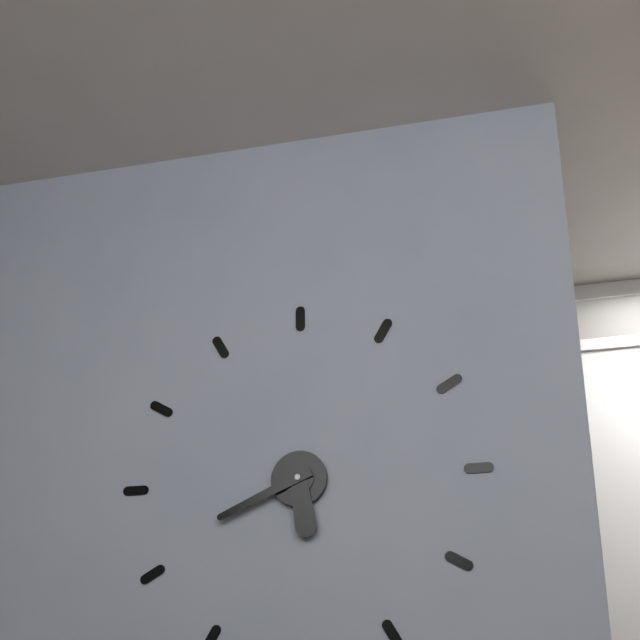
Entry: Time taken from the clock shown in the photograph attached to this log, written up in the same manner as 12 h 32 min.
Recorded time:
5 h 41 min
